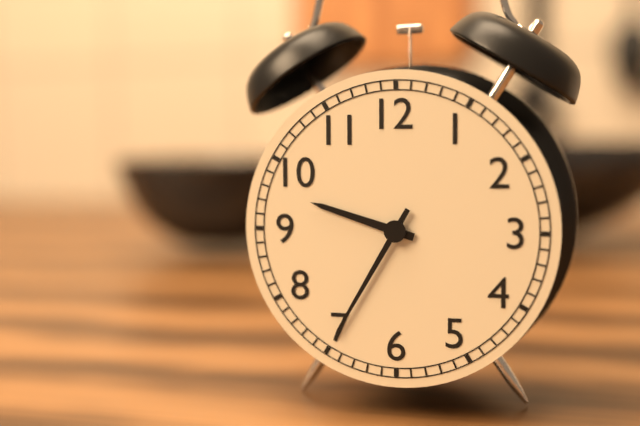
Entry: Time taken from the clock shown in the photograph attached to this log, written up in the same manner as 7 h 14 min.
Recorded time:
9 h 35 min
